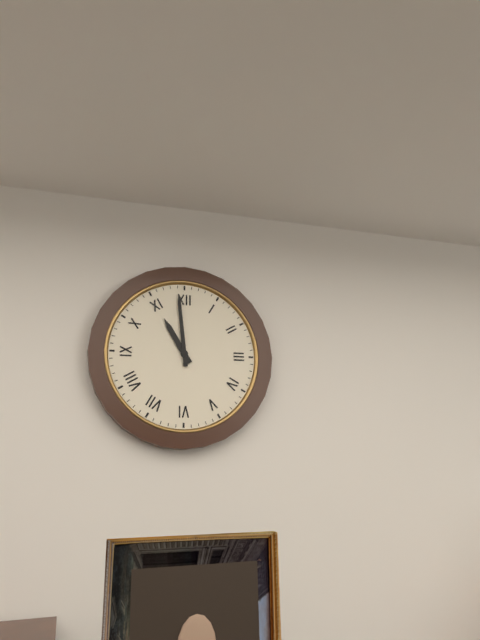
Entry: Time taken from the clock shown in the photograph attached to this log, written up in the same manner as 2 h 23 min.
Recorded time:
10 h 59 min
